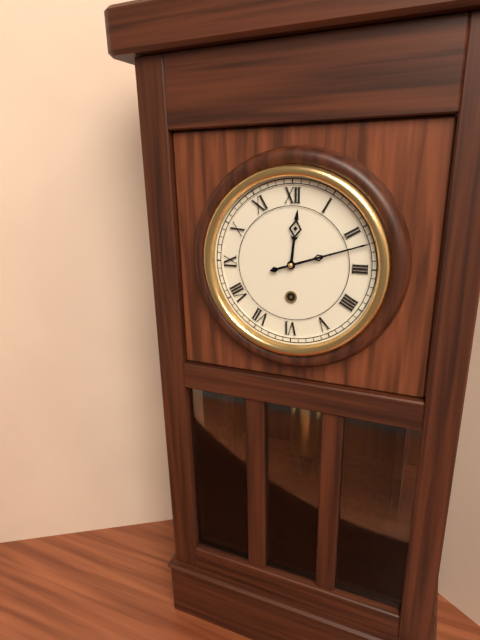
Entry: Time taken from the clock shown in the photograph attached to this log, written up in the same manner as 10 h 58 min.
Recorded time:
12 h 12 min
